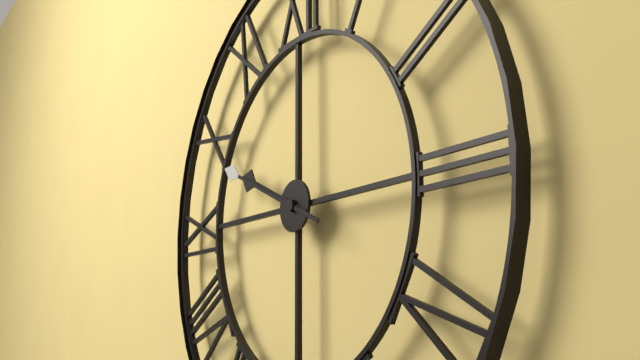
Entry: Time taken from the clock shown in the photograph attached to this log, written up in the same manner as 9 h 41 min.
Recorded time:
9 h 49 min
